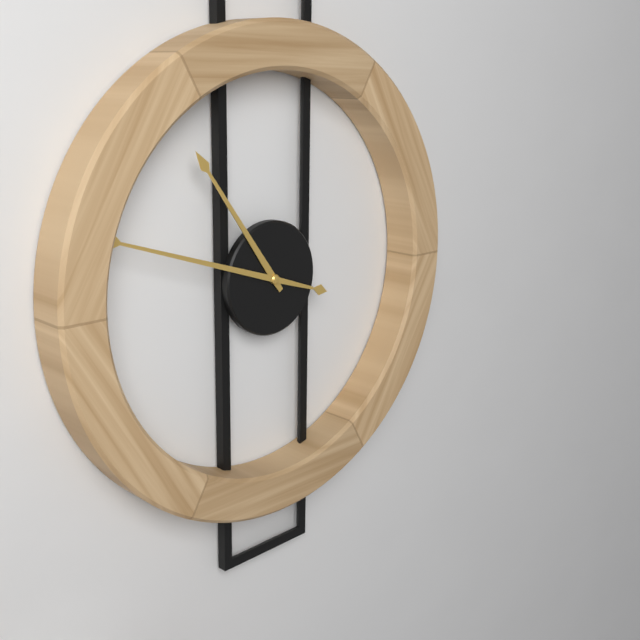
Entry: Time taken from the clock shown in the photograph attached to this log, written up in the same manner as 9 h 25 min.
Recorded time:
10 h 48 min
